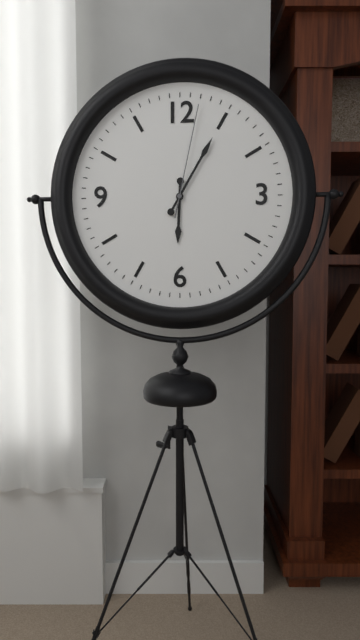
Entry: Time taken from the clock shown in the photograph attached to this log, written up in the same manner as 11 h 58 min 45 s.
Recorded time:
6 h 05 min 02 s
